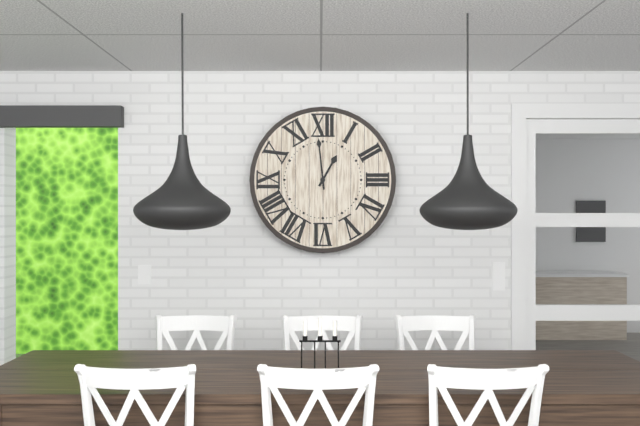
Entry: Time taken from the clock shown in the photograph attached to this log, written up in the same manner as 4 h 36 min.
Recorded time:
12 h 59 min
